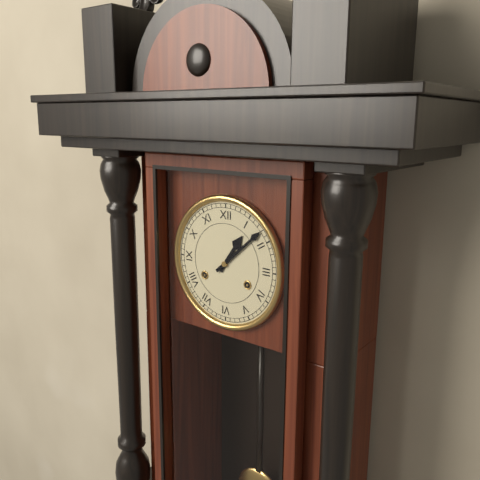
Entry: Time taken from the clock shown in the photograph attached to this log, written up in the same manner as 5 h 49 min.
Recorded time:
1 h 08 min
